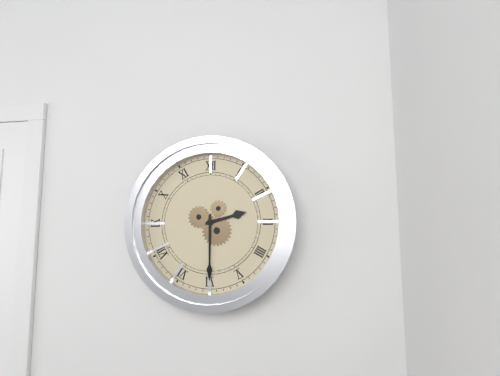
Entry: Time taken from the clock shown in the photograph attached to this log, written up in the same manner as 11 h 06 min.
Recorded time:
2 h 30 min
